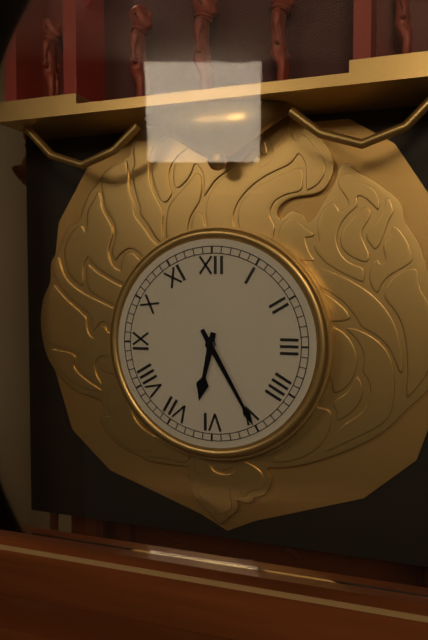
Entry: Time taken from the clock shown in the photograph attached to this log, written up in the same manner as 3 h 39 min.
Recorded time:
6 h 25 min
